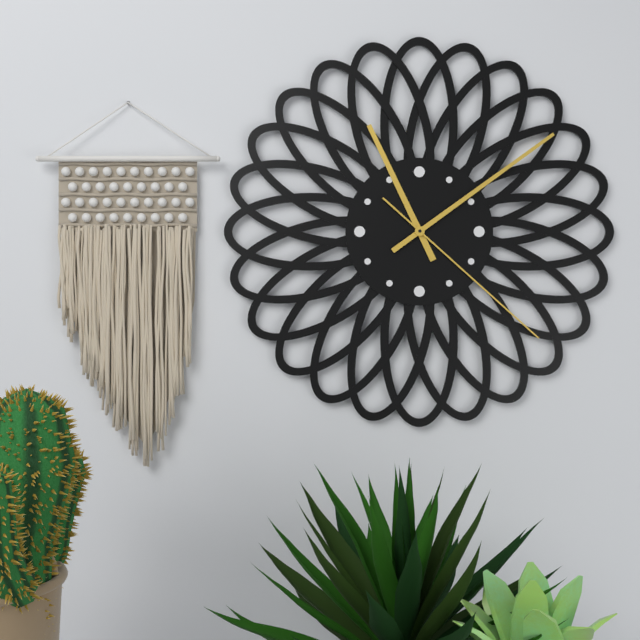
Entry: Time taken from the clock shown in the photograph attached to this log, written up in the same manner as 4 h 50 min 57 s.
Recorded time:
11 h 09 min 22 s
